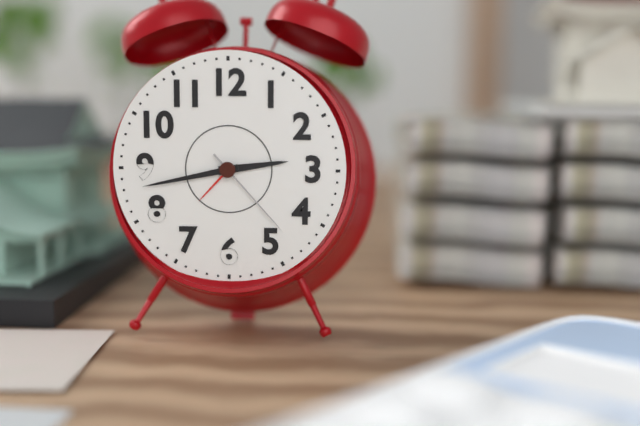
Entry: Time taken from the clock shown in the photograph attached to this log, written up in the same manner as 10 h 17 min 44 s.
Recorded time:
2 h 43 min 23 s
